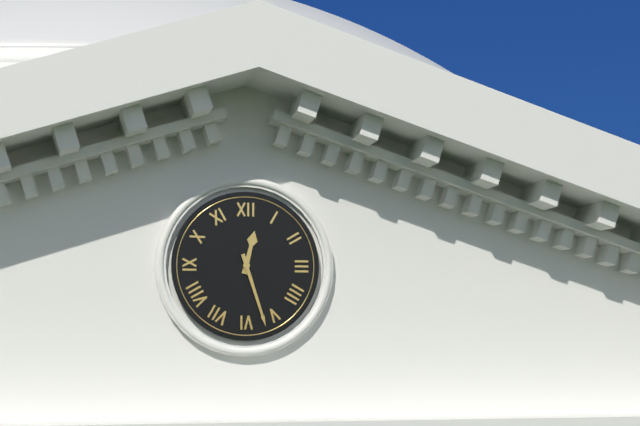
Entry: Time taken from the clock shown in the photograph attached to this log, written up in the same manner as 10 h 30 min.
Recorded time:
12 h 27 min
